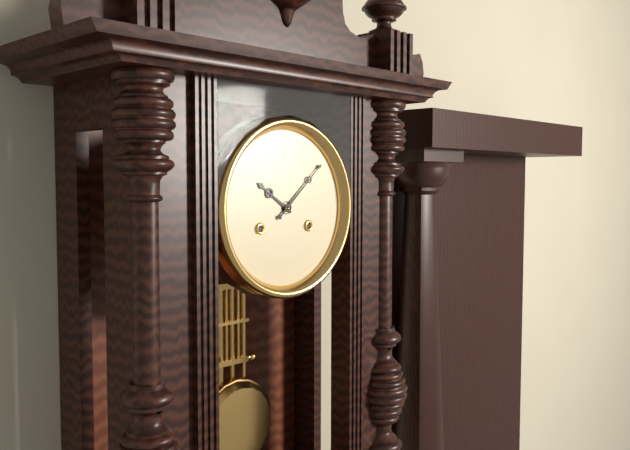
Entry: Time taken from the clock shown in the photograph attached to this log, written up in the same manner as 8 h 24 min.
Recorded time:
10 h 08 min
